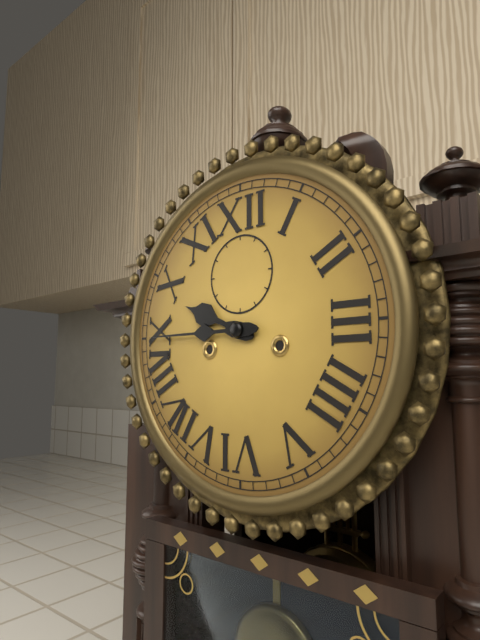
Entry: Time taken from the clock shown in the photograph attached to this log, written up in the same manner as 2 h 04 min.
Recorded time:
9 h 45 min
